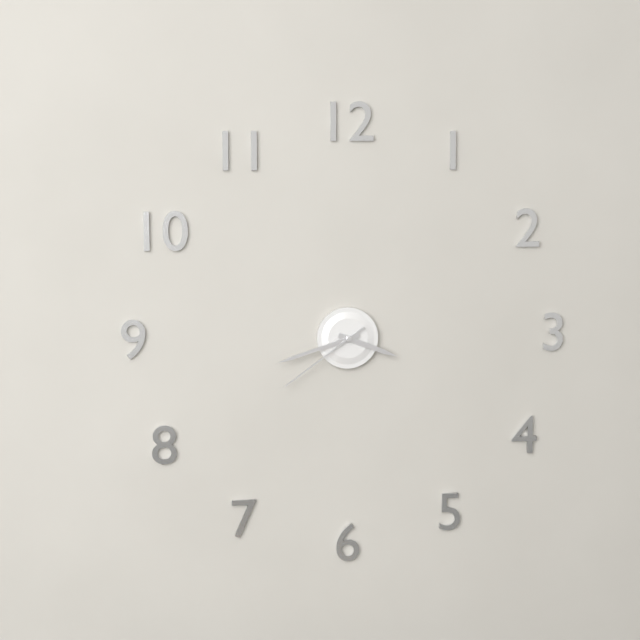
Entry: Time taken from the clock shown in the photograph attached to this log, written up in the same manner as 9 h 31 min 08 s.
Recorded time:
3 h 42 min 39 s
